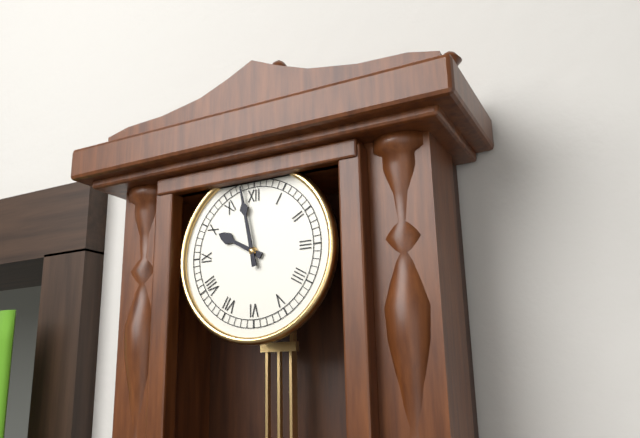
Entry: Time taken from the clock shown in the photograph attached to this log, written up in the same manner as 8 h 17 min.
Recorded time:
9 h 58 min
